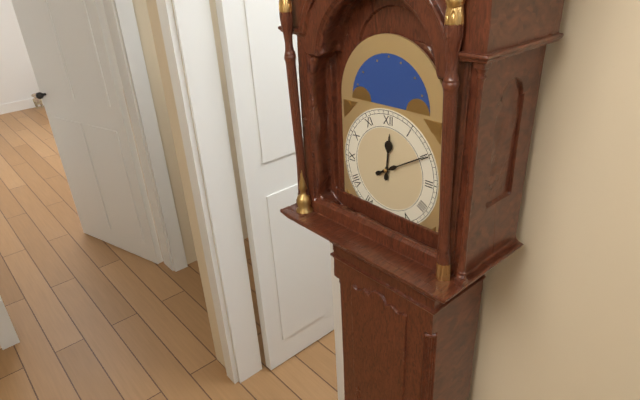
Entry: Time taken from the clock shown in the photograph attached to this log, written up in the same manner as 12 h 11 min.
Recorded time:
12 h 10 min
